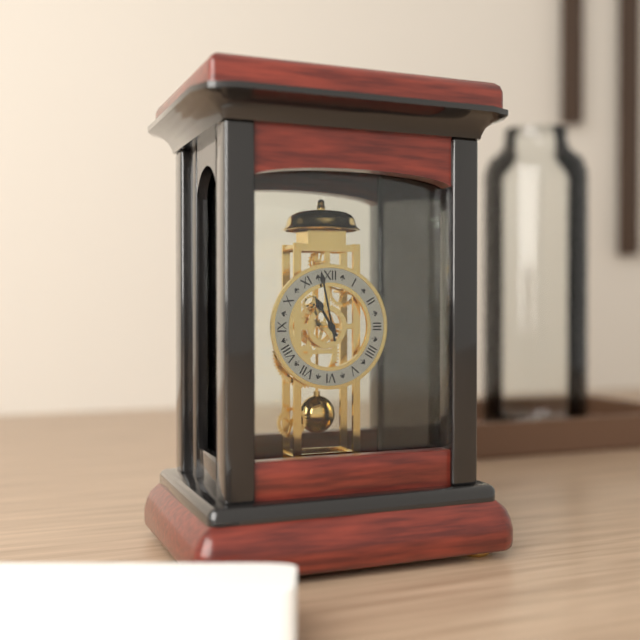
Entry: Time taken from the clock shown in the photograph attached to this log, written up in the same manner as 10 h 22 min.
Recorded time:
10 h 58 min
